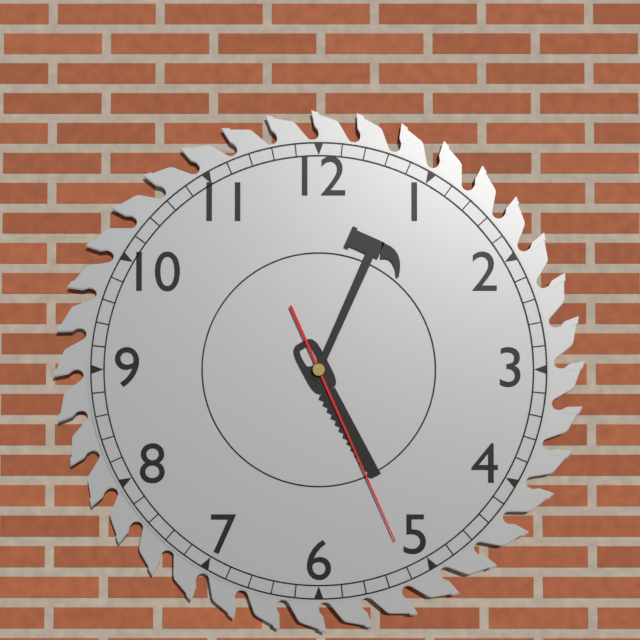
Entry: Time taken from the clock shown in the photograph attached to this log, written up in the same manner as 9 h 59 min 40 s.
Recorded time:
5 h 04 min 26 s
